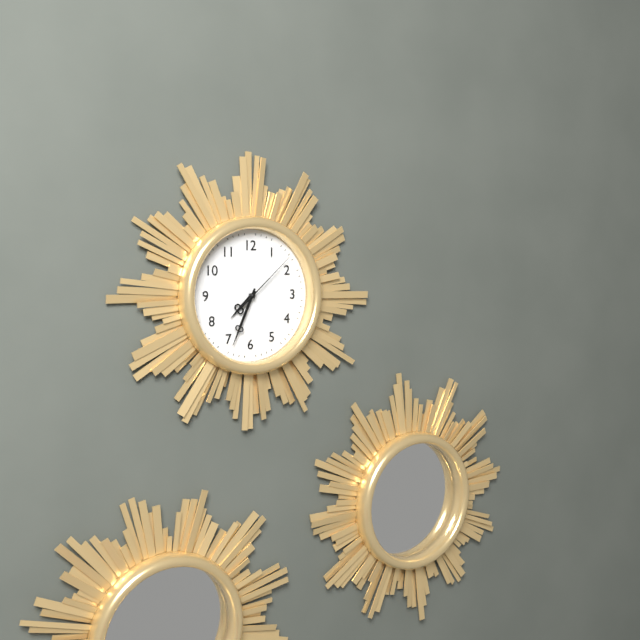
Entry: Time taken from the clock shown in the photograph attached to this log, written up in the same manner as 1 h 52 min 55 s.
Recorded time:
7 h 34 min 08 s
